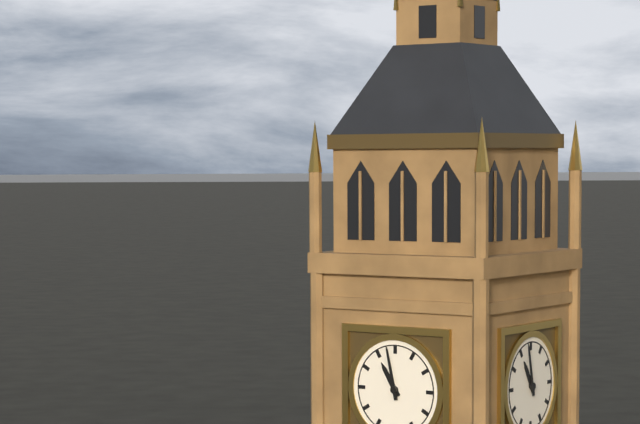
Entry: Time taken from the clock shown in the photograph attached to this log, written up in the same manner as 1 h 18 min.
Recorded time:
10 h 58 min
